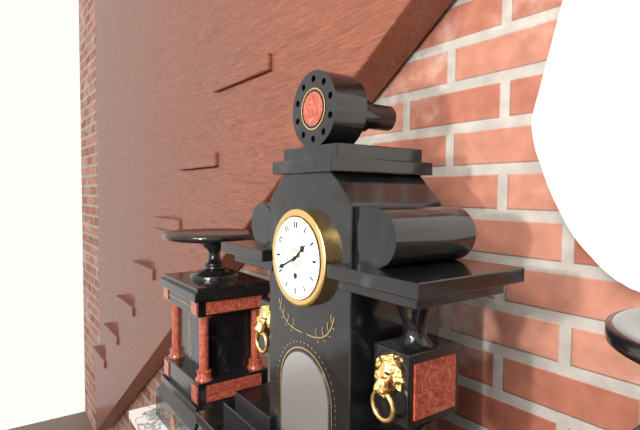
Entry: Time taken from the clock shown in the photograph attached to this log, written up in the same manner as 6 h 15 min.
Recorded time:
1 h 41 min
